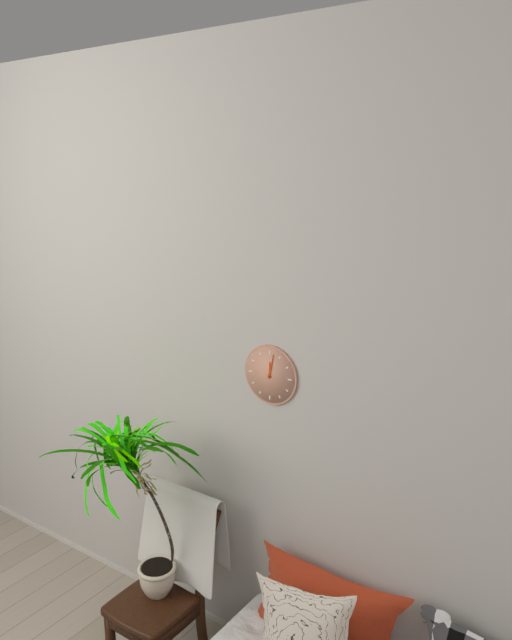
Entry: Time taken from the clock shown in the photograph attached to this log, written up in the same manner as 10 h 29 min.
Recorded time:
12 h 02 min
